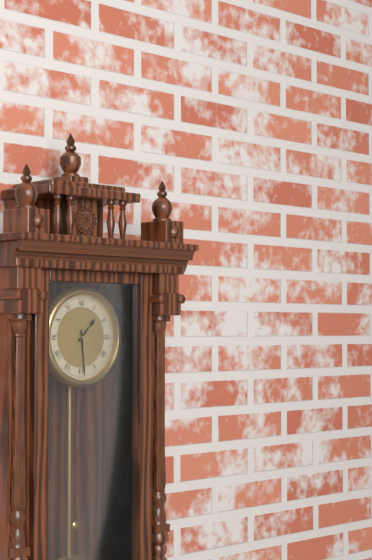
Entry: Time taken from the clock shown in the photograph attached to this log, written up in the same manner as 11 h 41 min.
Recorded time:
1 h 29 min
